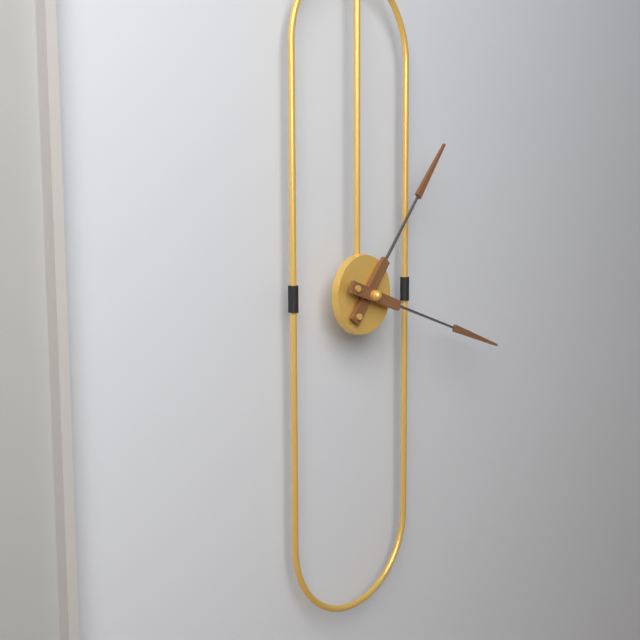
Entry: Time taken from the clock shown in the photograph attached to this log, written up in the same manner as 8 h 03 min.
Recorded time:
1 h 18 min
